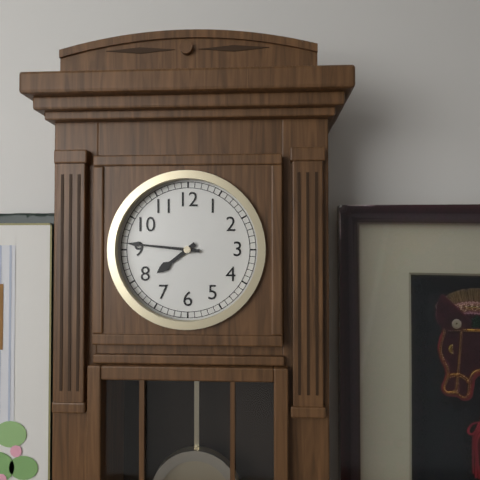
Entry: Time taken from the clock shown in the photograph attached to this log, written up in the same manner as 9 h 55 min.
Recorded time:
7 h 46 min
